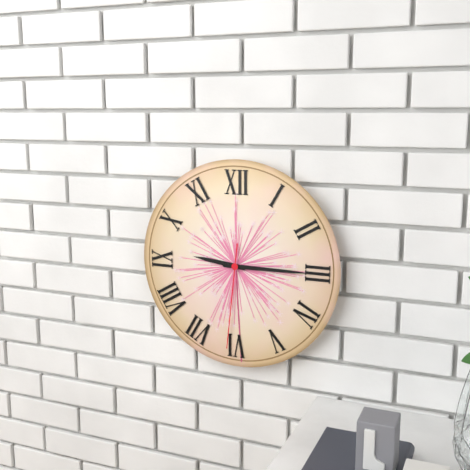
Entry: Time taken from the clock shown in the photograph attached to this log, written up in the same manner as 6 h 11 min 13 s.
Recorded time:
9 h 15 min 31 s
